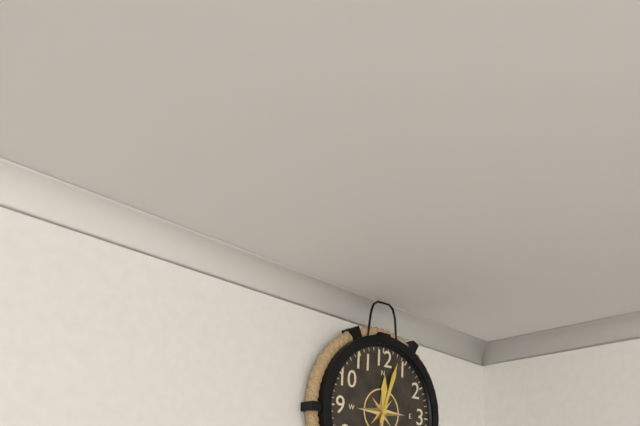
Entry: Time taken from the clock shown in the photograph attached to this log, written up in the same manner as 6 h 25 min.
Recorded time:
12 h 03 min
